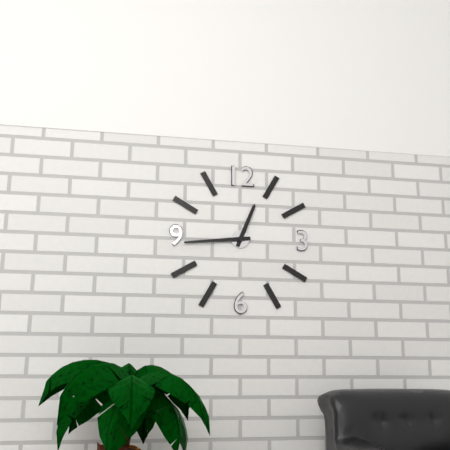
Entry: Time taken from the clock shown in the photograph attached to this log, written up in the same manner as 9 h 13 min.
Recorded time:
12 h 44 min
